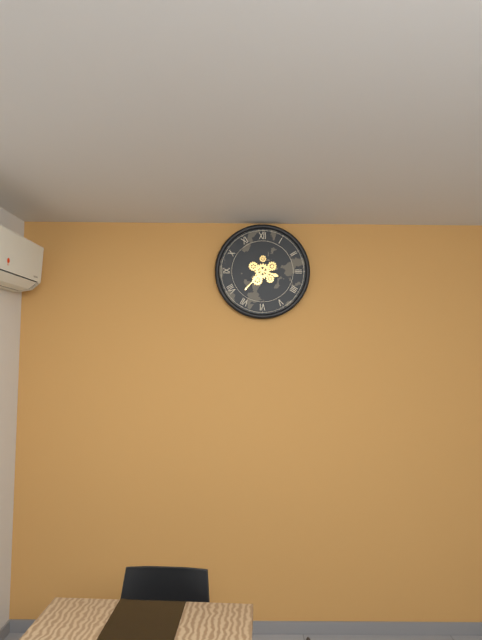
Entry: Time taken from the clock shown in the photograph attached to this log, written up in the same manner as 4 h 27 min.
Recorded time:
3 h 37 min
